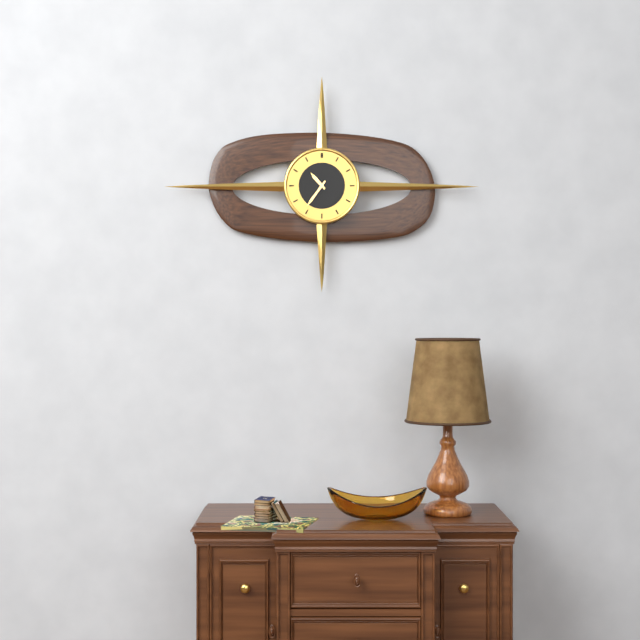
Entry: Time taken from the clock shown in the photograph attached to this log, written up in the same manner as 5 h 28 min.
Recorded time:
10 h 36 min
